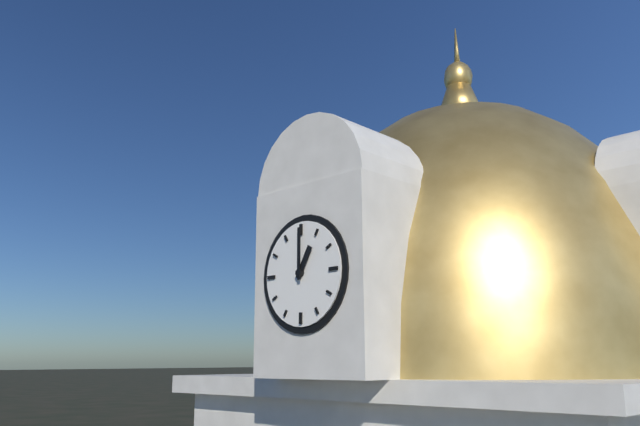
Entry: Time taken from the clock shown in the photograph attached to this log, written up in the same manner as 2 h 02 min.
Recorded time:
1 h 00 min
